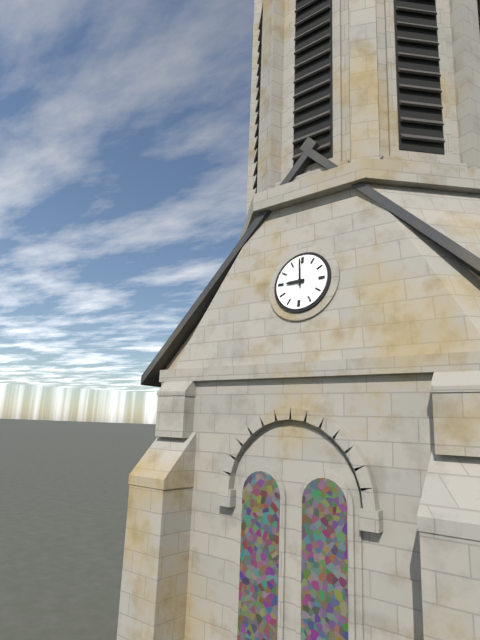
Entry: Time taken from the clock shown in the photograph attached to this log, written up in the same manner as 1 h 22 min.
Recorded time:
8 h 59 min
